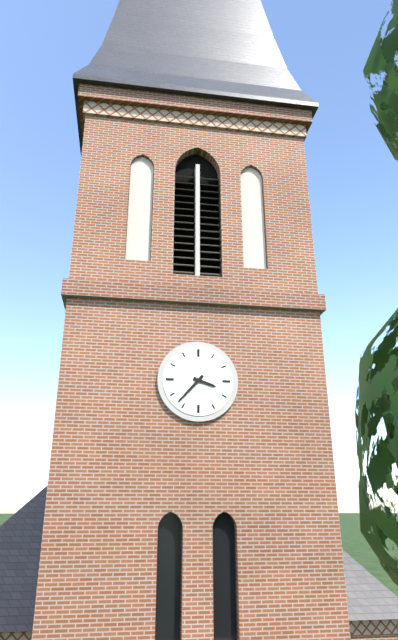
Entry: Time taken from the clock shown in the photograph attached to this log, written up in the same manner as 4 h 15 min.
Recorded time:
3 h 37 min
